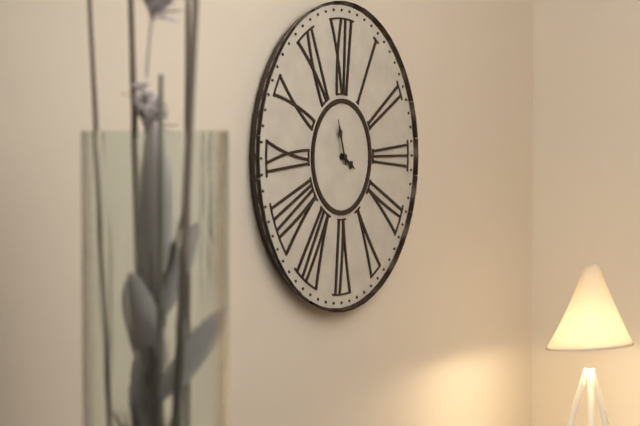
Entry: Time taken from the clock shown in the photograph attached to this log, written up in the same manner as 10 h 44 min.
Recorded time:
3 h 57 min
